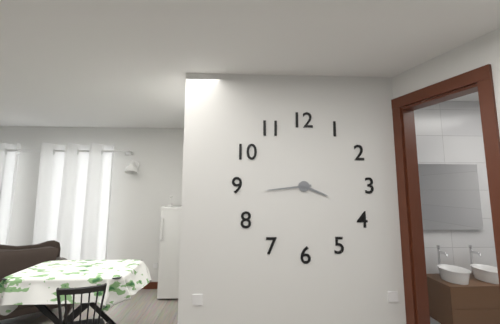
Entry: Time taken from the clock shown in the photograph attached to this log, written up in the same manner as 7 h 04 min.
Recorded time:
3 h 44 min
